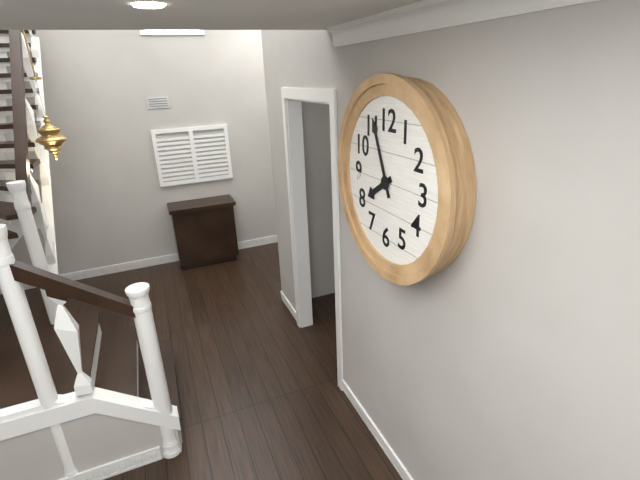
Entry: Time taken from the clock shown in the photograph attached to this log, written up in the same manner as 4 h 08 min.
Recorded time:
7 h 56 min
